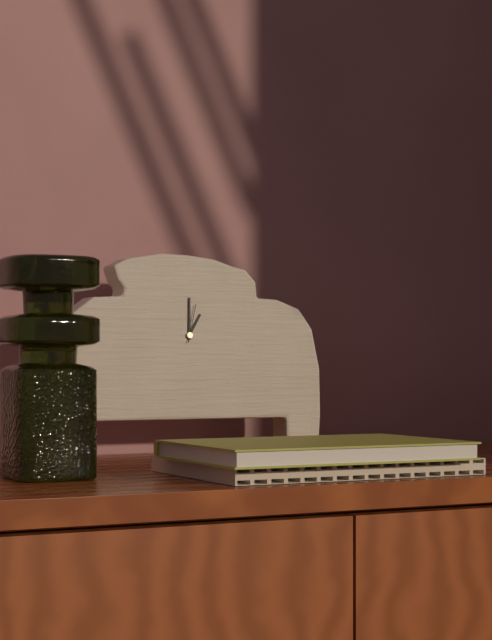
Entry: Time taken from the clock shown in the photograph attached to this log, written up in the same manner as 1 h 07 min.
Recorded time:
1 h 00 min
